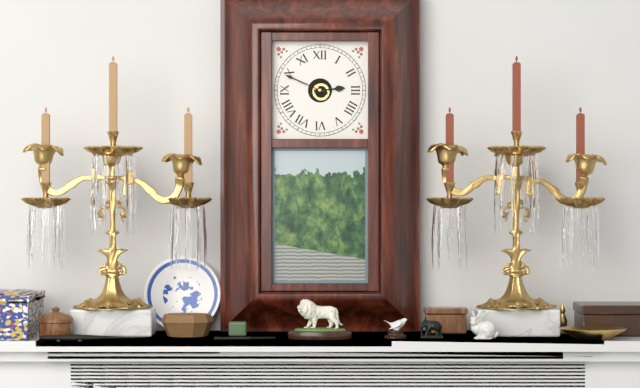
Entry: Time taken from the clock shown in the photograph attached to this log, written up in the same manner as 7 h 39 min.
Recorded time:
2 h 49 min
